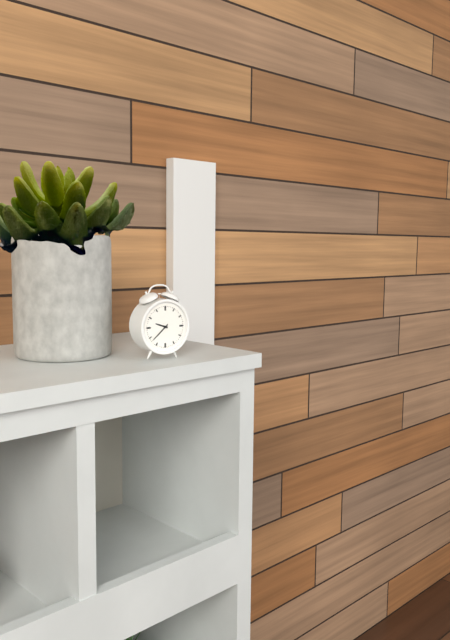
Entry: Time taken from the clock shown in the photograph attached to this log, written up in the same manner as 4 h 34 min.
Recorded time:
9 h 38 min
